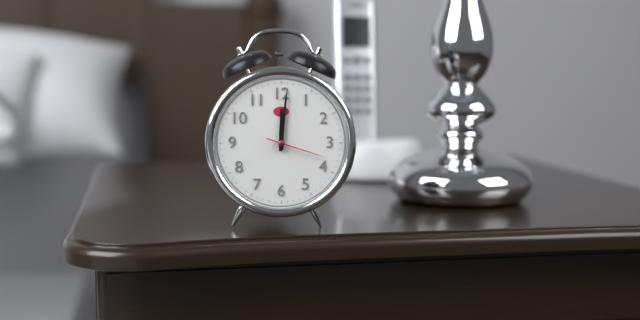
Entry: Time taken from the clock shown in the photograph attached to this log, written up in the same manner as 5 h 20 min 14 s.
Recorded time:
12 h 01 min 18 s
